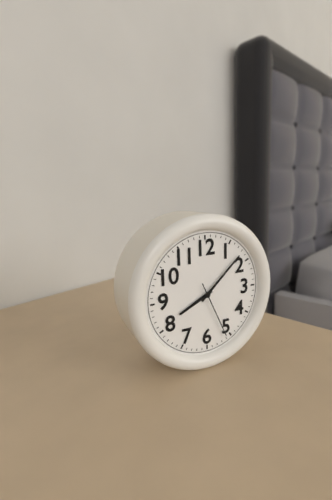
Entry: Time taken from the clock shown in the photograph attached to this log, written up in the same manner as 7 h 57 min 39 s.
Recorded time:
8 h 08 min 26 s
